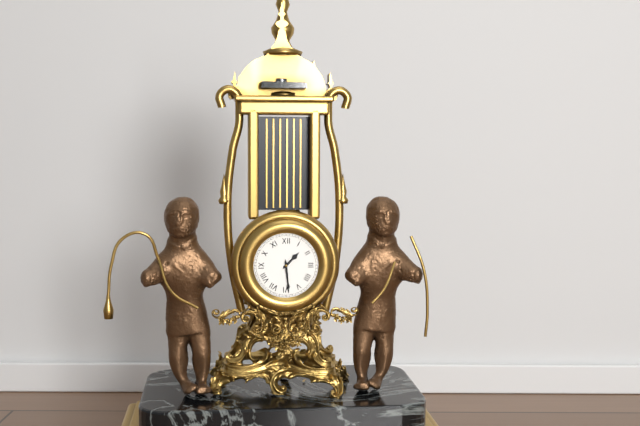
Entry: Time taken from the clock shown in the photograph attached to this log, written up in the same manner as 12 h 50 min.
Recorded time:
1 h 29 min
